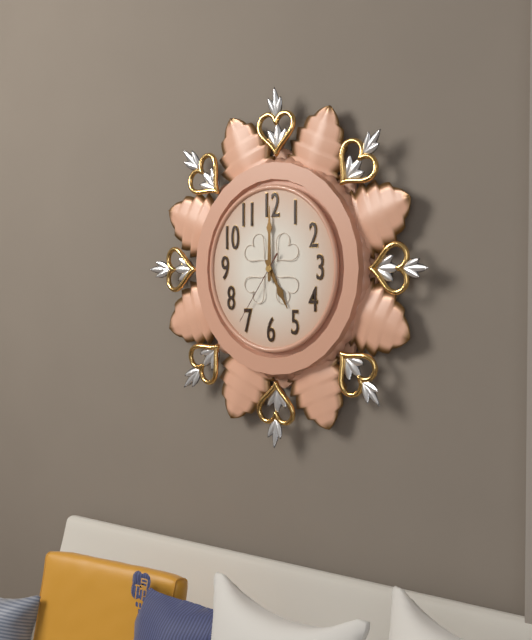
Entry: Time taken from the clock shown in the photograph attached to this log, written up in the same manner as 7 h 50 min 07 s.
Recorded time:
5 h 00 min 36 s
